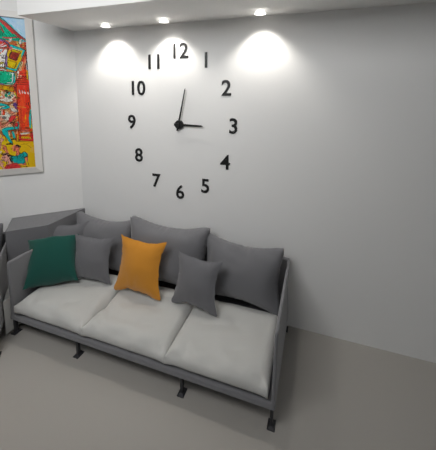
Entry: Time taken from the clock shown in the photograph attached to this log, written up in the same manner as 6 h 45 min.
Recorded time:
3 h 02 min
